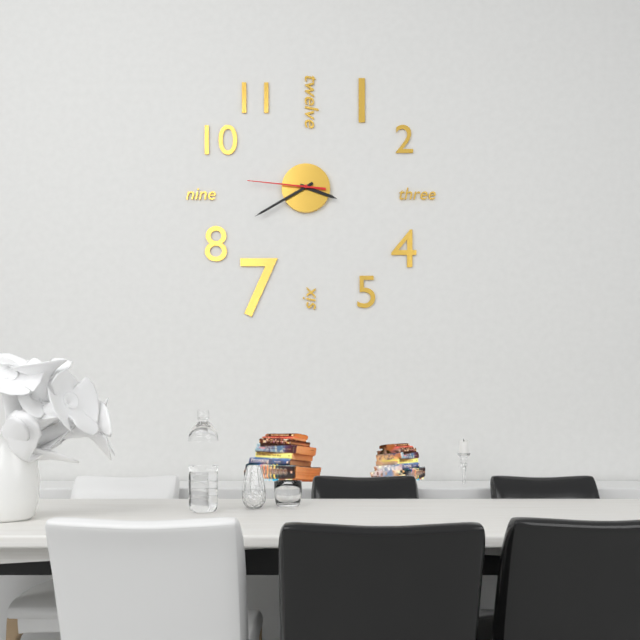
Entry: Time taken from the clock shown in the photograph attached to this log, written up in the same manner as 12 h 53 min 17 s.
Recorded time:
3 h 40 min 46 s
